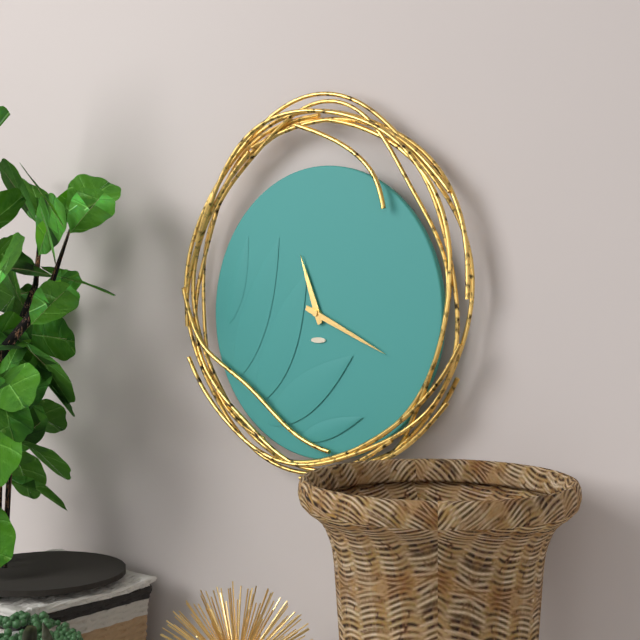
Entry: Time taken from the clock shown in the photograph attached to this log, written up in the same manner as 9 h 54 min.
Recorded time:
11 h 19 min
